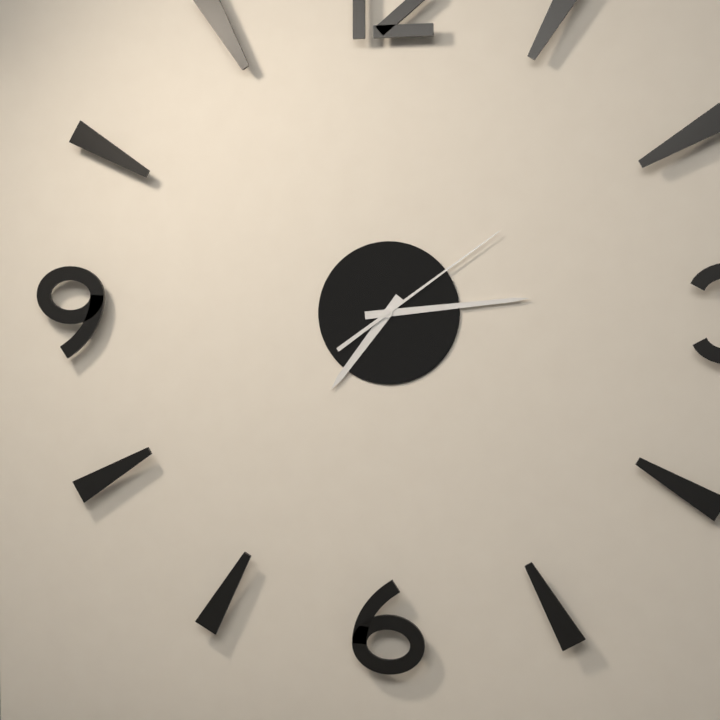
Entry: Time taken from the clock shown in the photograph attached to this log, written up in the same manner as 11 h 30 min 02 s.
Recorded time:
7 h 14 min 09 s
